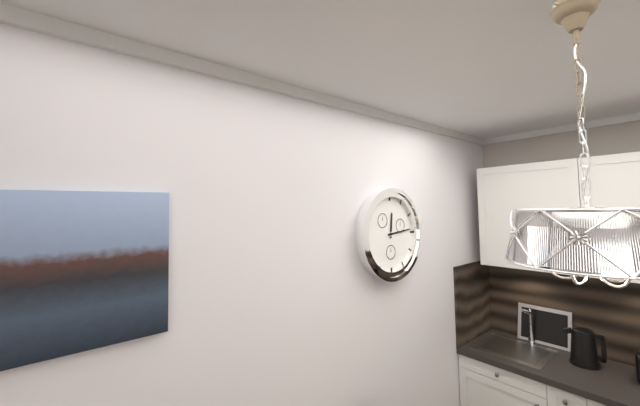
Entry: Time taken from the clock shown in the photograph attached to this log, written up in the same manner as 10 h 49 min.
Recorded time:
12 h 14 min
